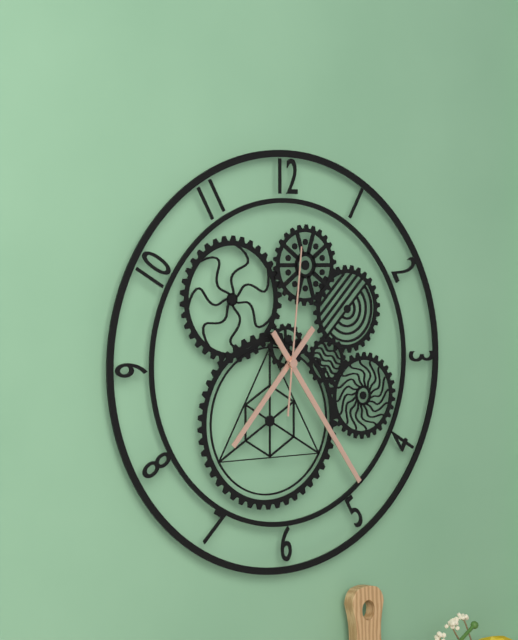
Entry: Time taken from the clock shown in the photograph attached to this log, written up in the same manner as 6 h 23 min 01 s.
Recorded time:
7 h 24 min 01 s
